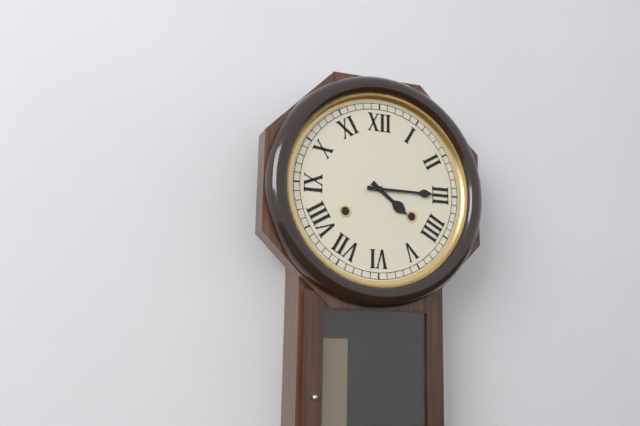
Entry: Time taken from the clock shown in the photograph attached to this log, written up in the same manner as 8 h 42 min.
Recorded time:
4 h 15 min
